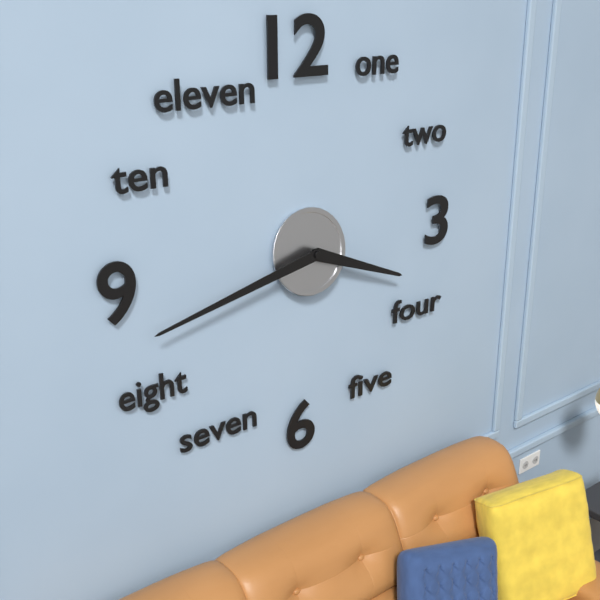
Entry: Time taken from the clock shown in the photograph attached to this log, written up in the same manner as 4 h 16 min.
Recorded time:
3 h 43 min
